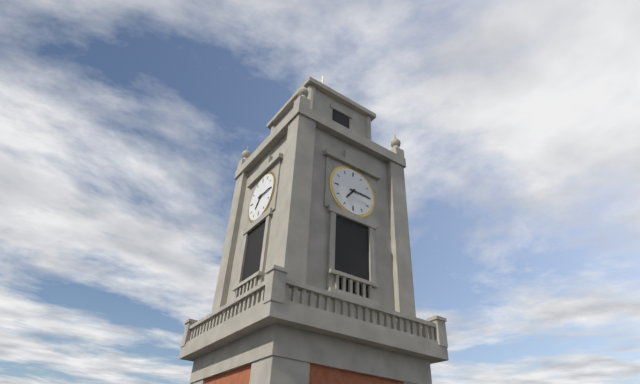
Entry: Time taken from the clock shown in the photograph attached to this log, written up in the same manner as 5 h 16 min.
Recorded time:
7 h 15 min
